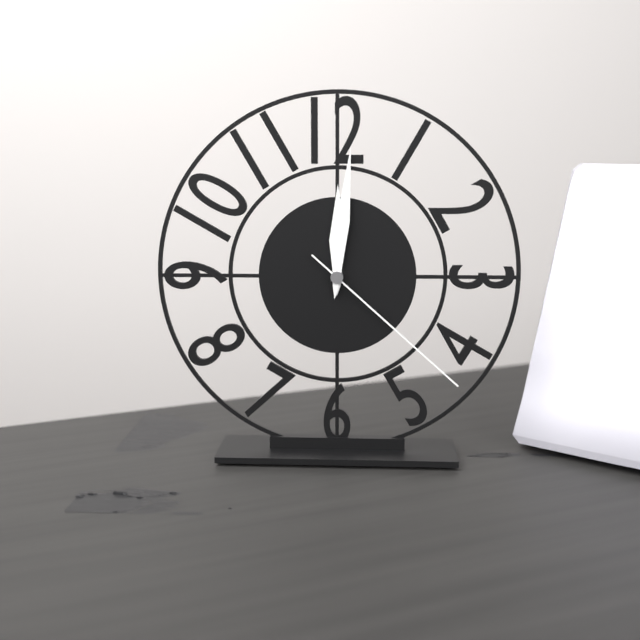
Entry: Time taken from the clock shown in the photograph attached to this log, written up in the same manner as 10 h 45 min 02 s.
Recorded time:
12 h 01 min 22 s
